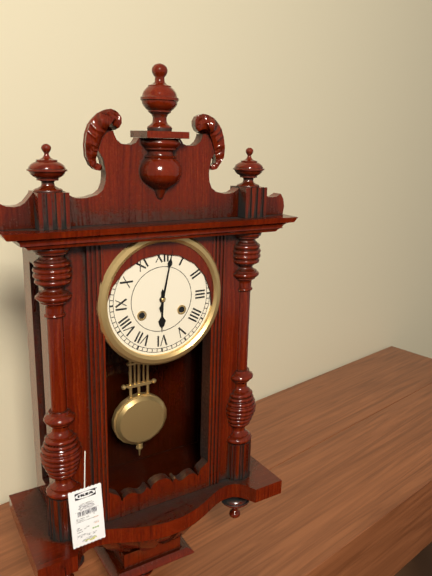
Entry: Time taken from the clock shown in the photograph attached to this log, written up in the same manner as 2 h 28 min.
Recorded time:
6 h 02 min
